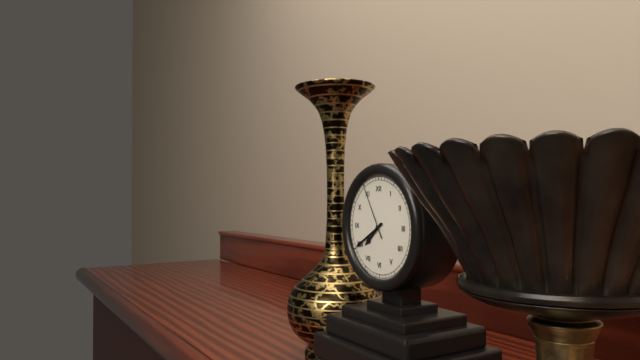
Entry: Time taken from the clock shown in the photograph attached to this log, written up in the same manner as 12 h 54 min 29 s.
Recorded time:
7 h 40 min 55 s
